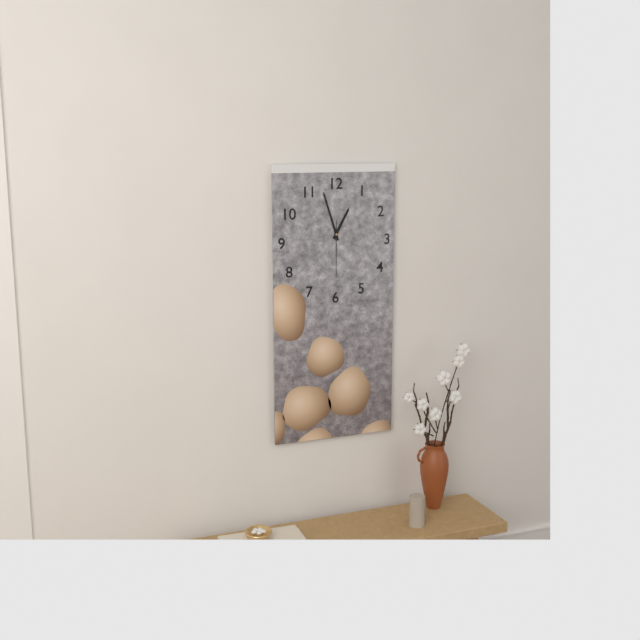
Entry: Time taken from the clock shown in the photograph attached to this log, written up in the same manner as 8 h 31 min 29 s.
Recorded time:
12 h 57 min 30 s
